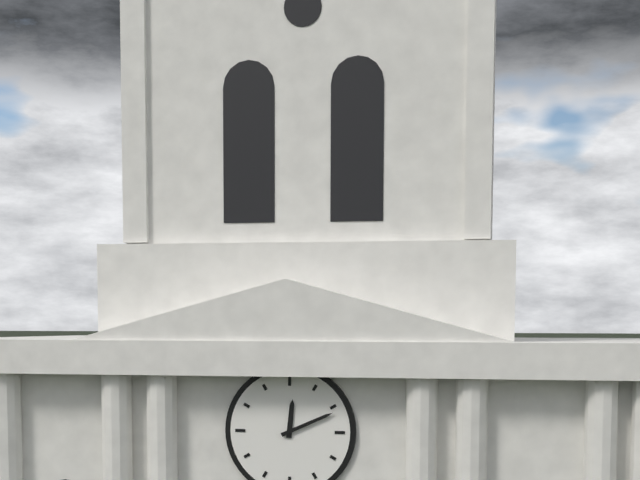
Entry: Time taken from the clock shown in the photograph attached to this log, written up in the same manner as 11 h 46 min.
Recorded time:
12 h 11 min
